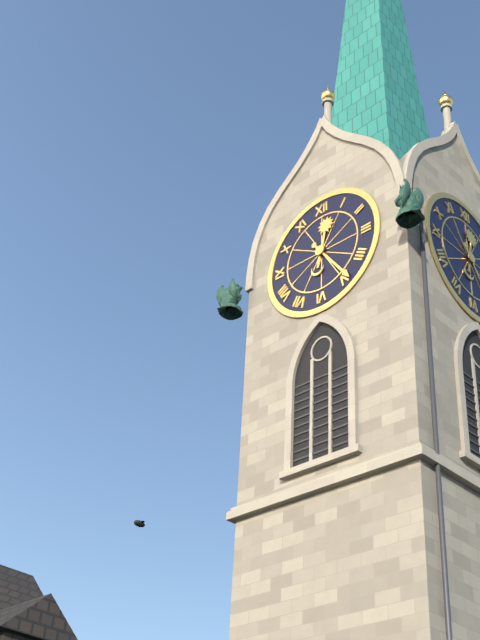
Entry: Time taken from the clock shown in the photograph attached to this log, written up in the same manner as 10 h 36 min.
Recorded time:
12 h 24 min
